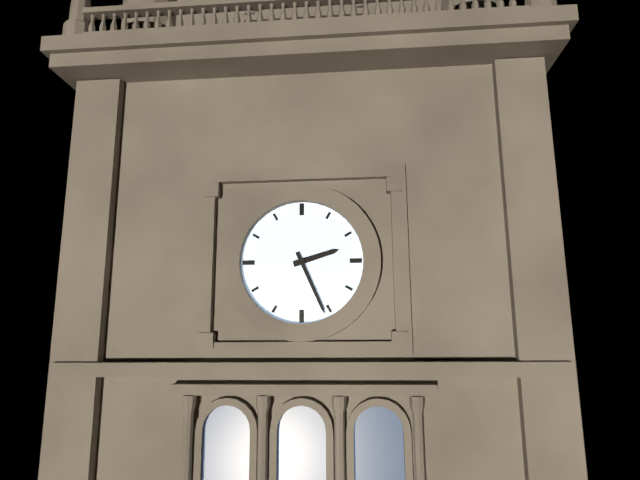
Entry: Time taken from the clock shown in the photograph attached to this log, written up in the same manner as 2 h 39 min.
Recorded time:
2 h 26 min
